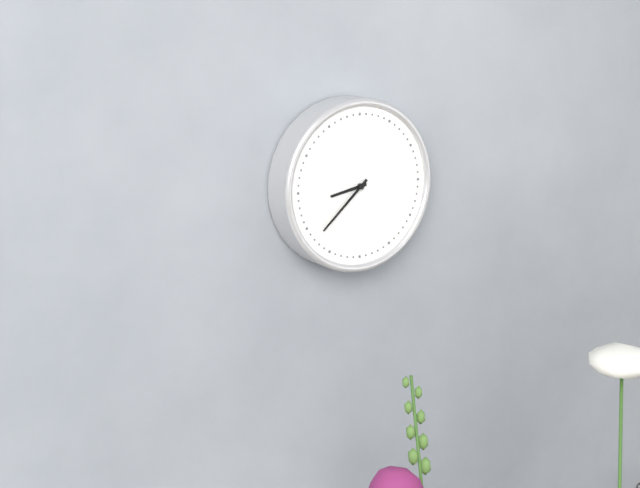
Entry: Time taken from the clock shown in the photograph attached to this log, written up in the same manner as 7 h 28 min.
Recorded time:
8 h 38 min
